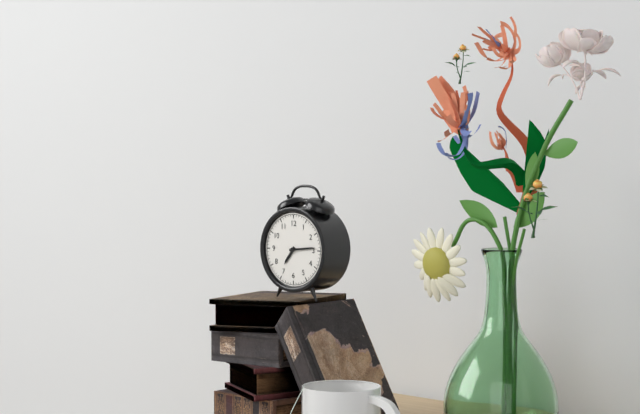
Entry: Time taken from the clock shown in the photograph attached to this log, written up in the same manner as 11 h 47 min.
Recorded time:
7 h 14 min
